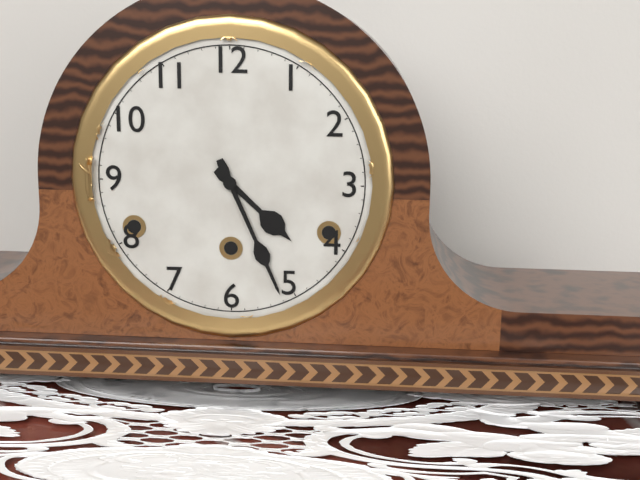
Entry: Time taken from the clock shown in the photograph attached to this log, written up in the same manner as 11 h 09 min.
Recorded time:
4 h 26 min
